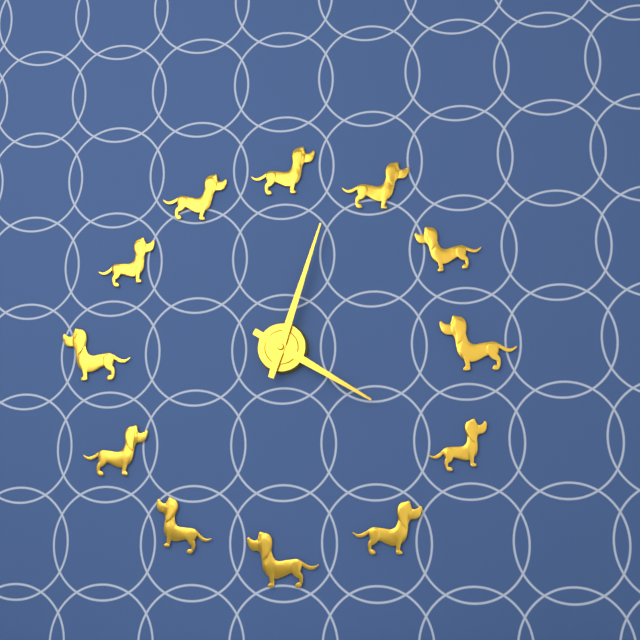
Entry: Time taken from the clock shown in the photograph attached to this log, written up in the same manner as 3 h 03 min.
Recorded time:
4 h 03 min
